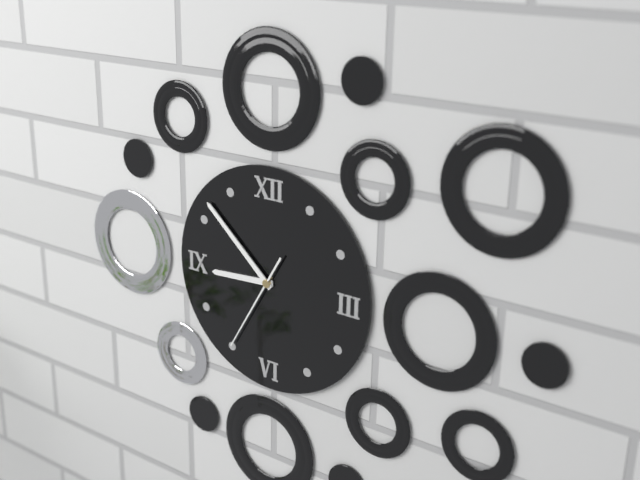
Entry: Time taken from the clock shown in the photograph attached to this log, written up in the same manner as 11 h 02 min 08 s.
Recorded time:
8 h 52 min 35 s
